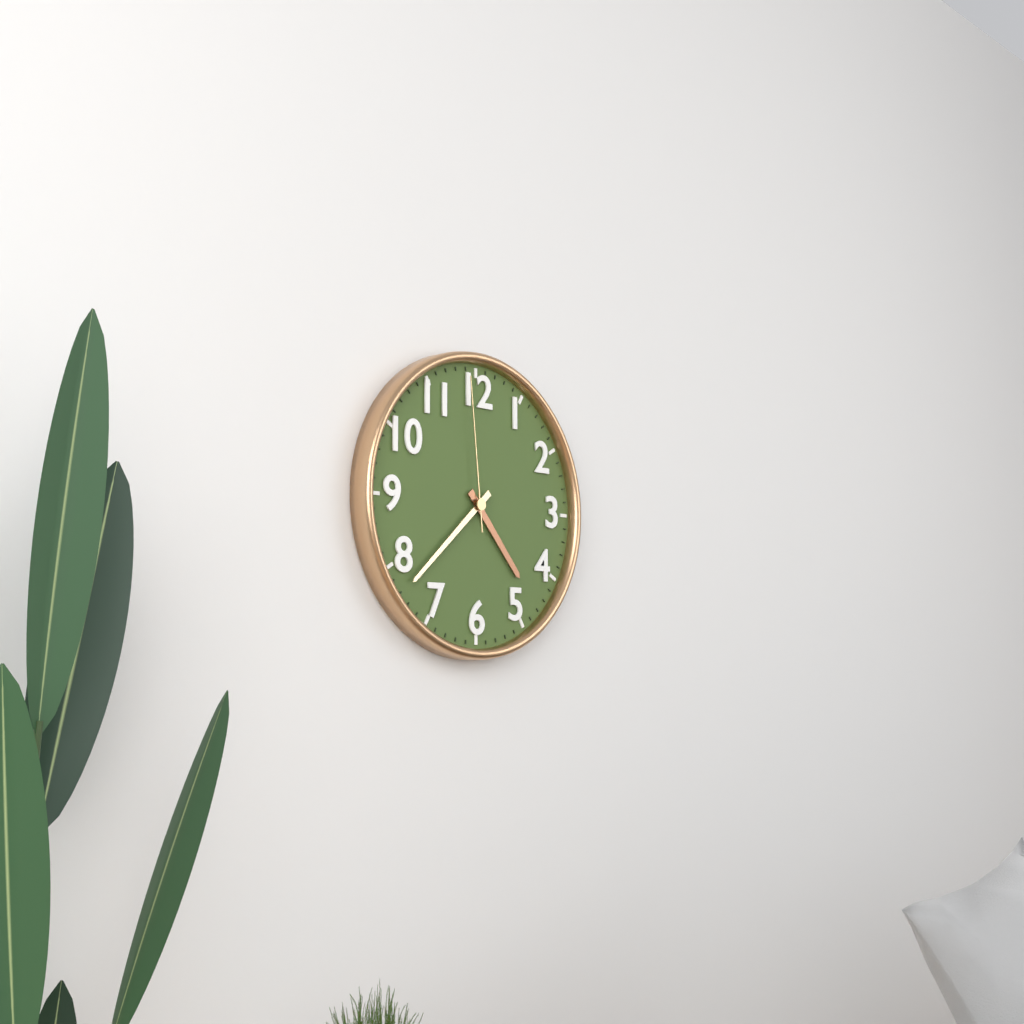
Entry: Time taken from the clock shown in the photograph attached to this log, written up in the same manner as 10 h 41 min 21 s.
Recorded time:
4 h 38 min 59 s
